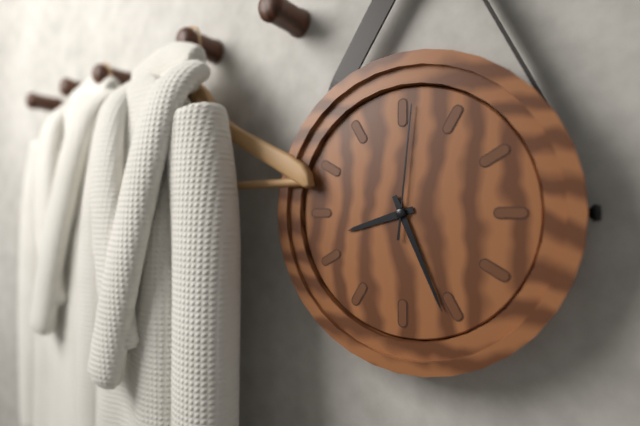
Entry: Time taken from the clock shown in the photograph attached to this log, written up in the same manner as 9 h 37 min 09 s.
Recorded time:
8 h 26 min 01 s
